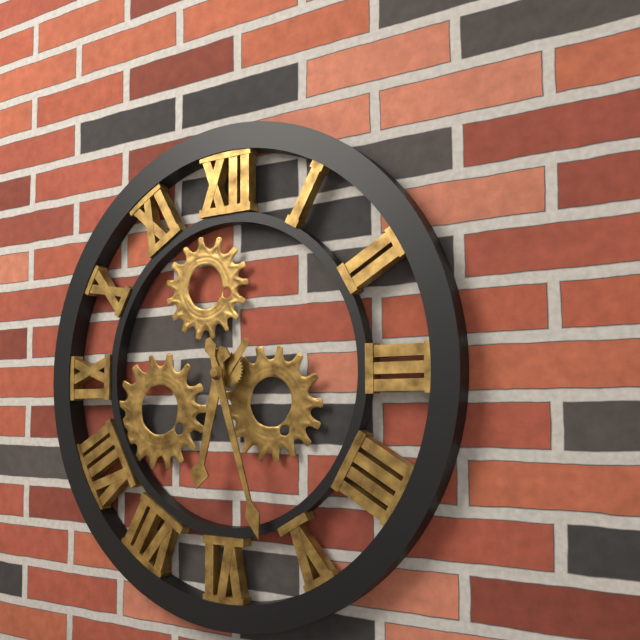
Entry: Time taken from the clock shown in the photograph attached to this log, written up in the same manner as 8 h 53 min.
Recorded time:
6 h 27 min
